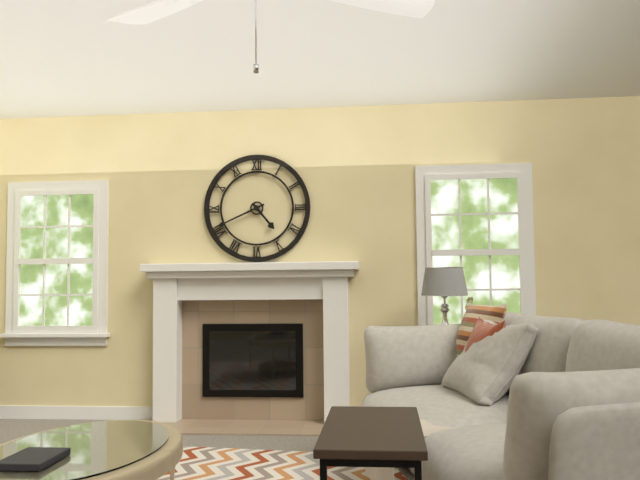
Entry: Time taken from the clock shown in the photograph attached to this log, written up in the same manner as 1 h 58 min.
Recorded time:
4 h 41 min
